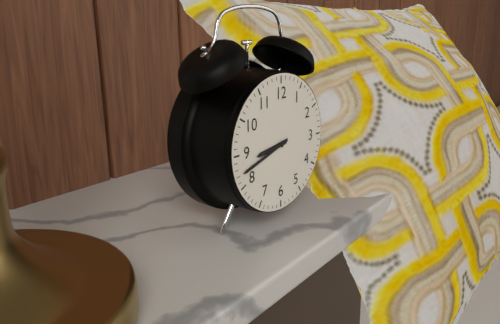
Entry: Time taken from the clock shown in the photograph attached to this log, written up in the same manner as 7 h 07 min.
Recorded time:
8 h 42 min
